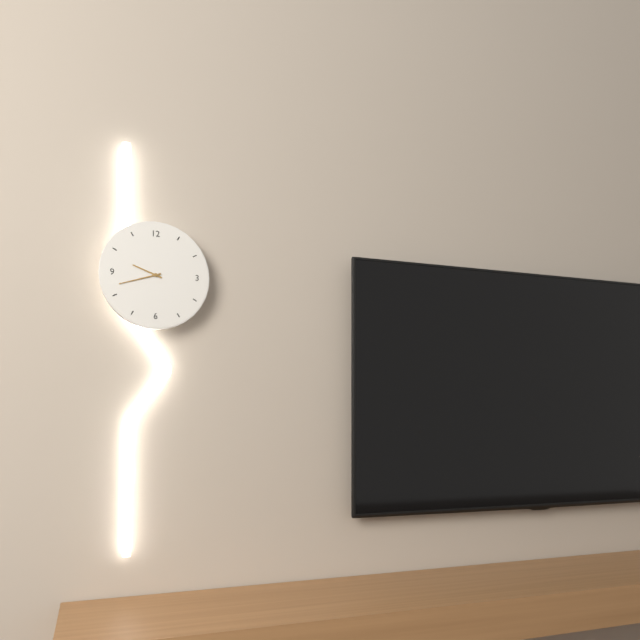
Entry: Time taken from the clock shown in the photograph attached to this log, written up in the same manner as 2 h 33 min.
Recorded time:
9 h 42 min
